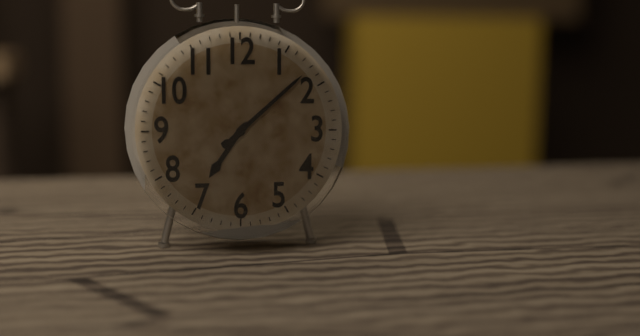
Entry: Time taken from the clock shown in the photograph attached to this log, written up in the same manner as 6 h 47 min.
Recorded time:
7 h 08 min
